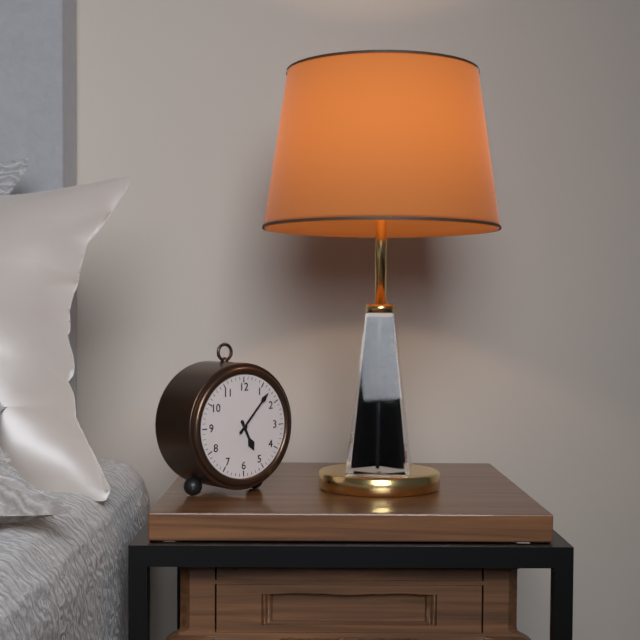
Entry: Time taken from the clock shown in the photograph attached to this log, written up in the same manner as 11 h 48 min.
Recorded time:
5 h 07 min
